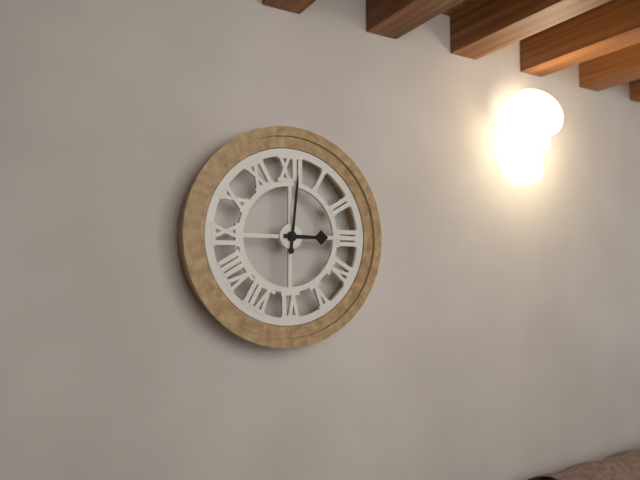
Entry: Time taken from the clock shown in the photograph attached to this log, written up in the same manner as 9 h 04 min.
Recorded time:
3 h 01 min
